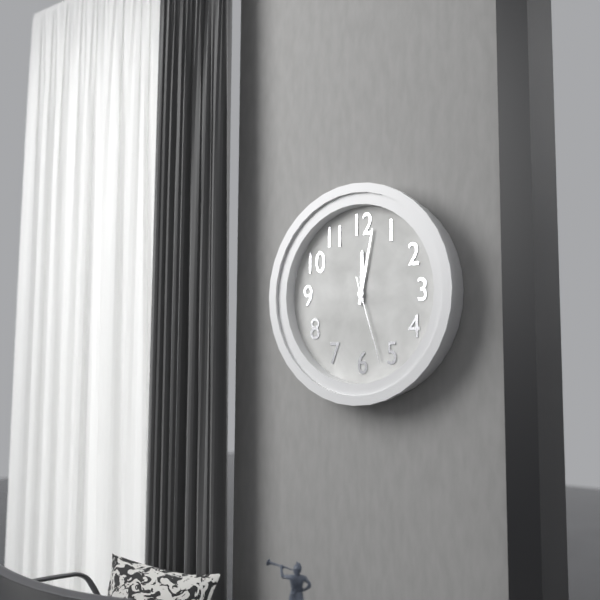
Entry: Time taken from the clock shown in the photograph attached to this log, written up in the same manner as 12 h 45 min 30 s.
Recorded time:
12 h 02 min 27 s
